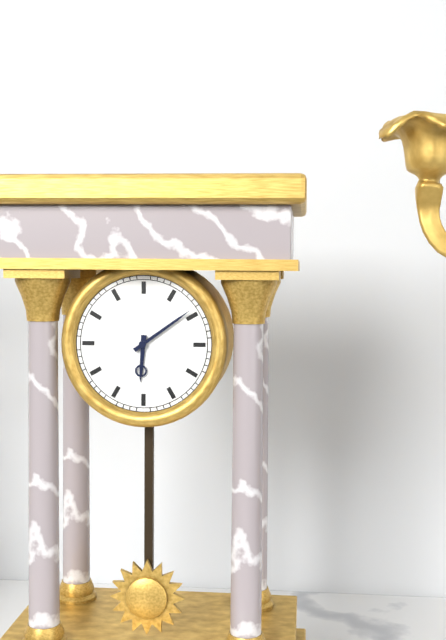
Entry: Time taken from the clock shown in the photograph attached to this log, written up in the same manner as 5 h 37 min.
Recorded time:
6 h 09 min
